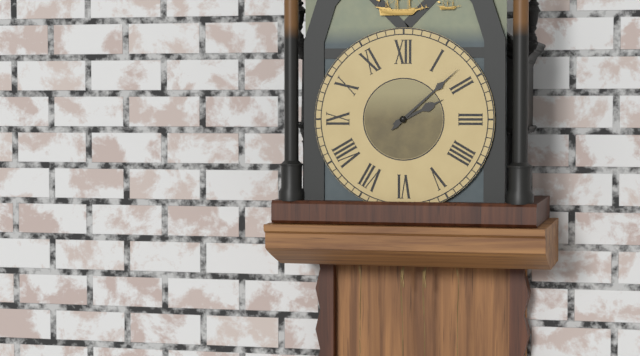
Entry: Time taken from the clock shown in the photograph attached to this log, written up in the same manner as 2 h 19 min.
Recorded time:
2 h 08 min
